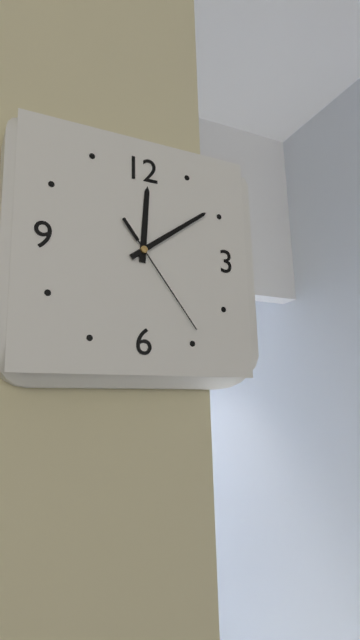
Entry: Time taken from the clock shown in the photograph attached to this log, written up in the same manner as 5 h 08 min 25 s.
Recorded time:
12 h 09 min 24 s
